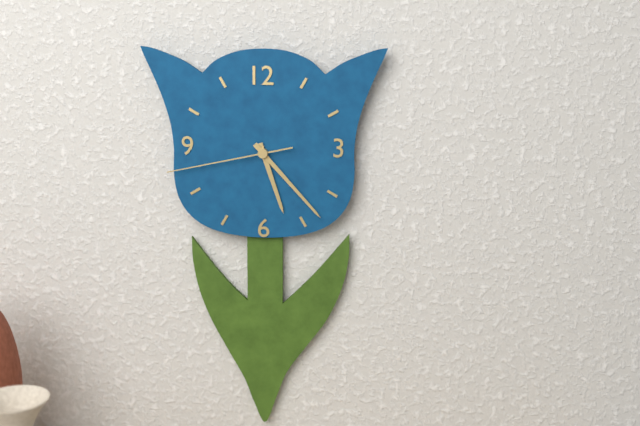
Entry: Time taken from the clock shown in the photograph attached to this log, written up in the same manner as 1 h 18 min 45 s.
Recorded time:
5 h 23 min 43 s
